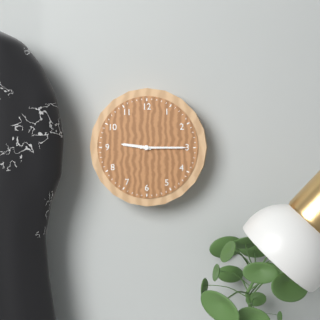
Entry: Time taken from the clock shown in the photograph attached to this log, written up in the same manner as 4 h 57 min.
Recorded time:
9 h 15 min
